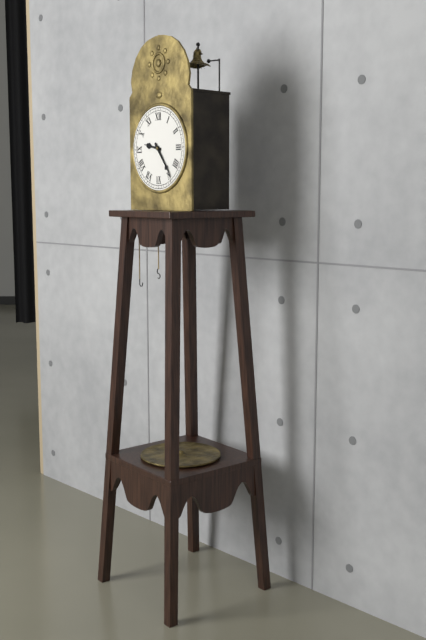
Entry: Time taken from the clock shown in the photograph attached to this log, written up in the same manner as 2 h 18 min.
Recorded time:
9 h 24 min
